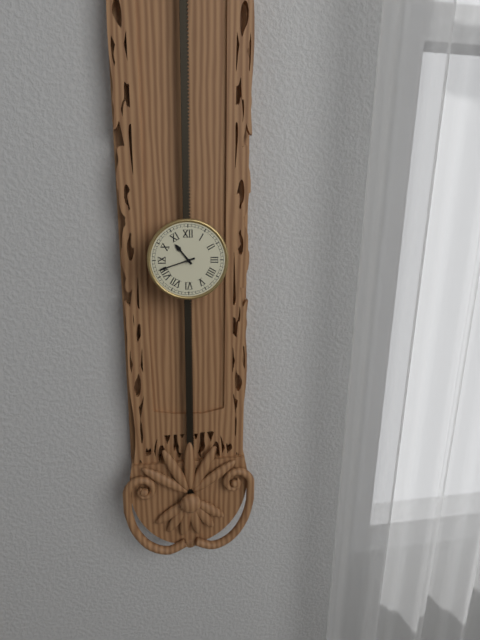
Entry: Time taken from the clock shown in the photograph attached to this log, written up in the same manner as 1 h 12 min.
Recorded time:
10 h 42 min
